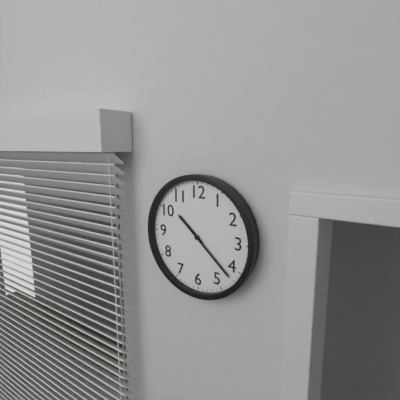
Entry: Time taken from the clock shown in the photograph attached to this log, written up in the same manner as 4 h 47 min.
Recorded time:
10 h 22 min
